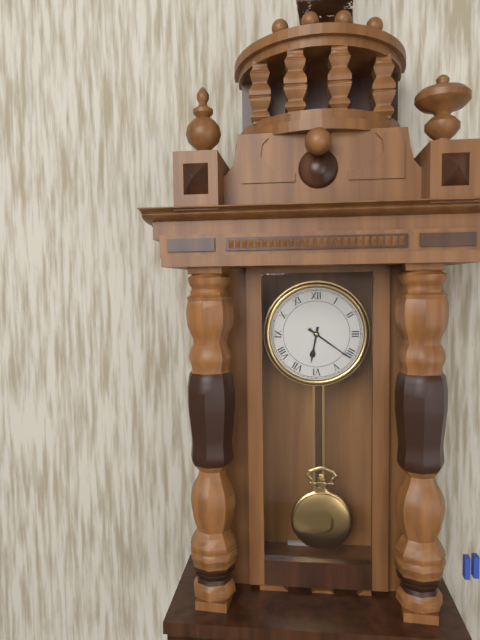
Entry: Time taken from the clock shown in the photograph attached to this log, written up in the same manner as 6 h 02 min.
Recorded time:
6 h 21 min
